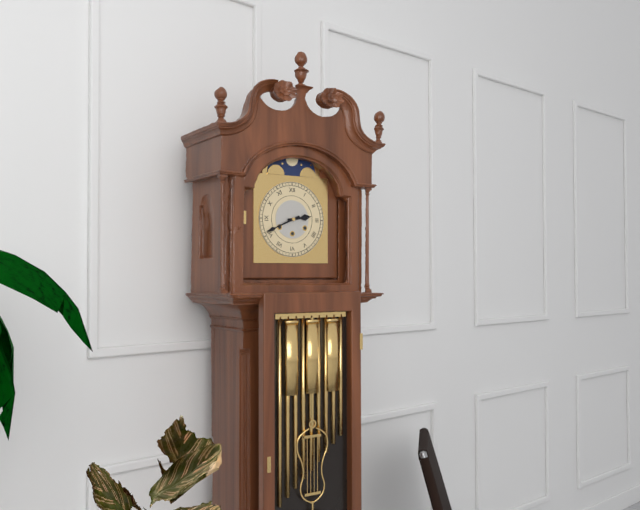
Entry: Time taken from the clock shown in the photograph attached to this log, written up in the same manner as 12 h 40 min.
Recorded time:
2 h 41 min
